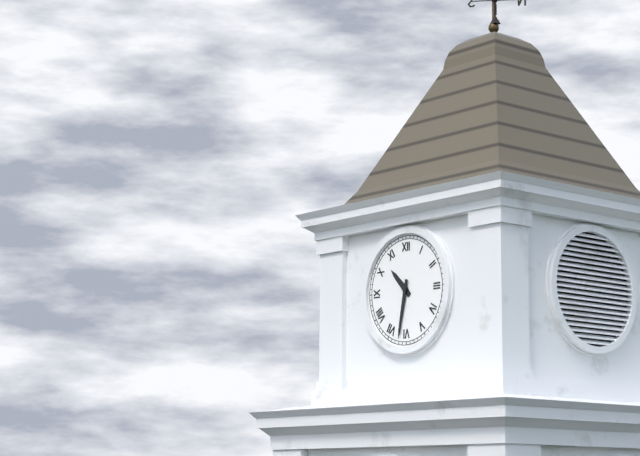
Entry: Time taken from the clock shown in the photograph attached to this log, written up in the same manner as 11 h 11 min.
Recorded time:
10 h 32 min
